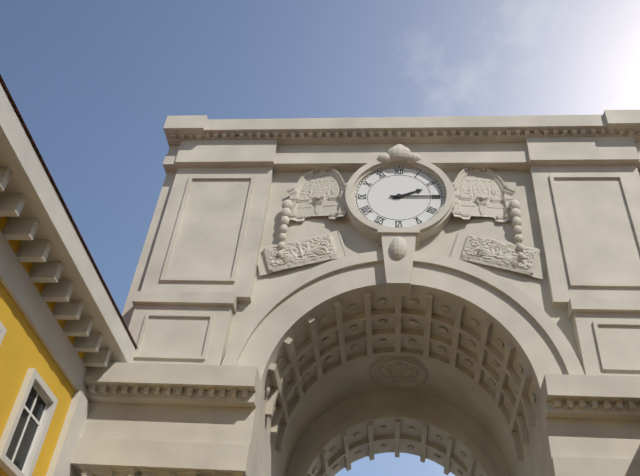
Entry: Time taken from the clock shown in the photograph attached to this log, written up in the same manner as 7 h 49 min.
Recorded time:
2 h 15 min
